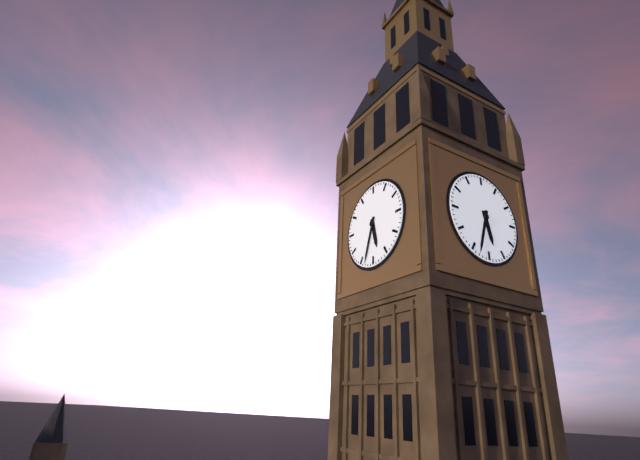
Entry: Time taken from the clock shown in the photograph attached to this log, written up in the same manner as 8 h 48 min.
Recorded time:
5 h 33 min
